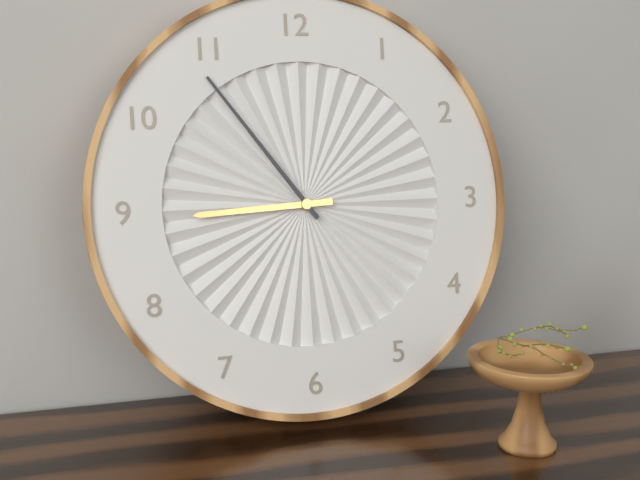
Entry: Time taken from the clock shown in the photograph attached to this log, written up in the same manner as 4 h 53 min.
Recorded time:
8 h 54 min
